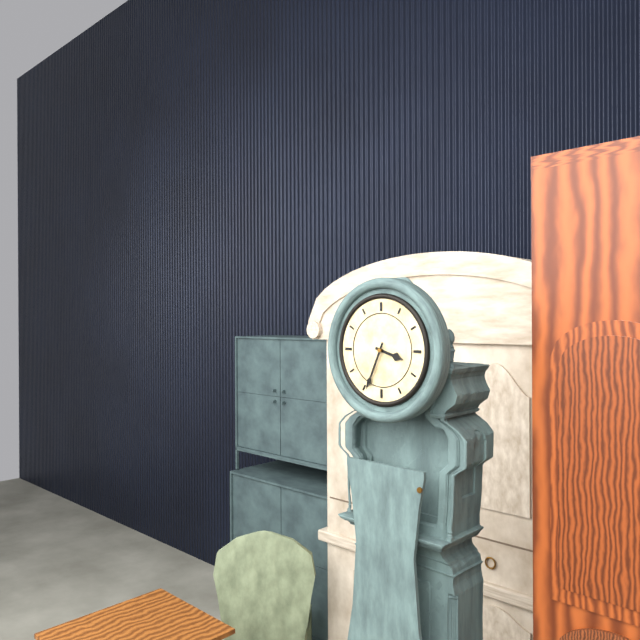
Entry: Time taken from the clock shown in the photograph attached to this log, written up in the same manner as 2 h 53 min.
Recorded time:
3 h 34 min
